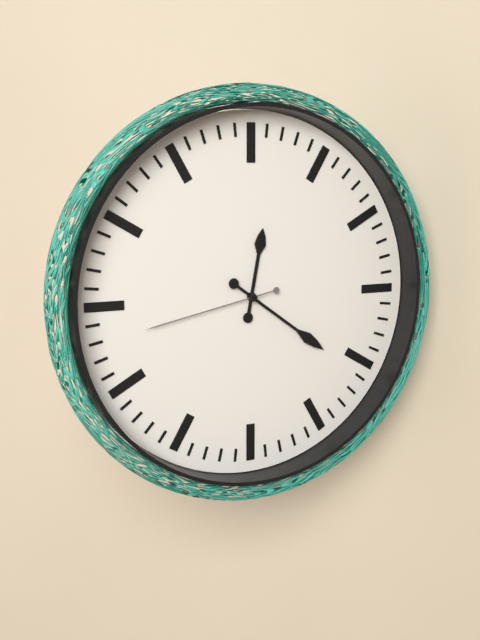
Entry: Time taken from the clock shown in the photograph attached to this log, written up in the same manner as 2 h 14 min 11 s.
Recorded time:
12 h 21 min 43 s
